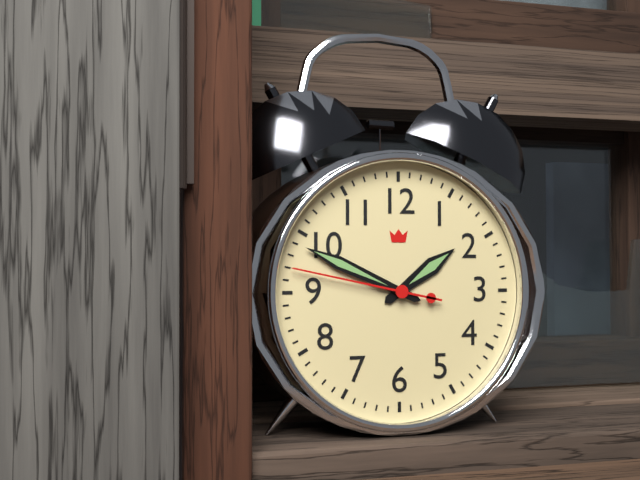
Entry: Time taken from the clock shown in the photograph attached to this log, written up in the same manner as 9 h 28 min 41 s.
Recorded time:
1 h 49 min 47 s
